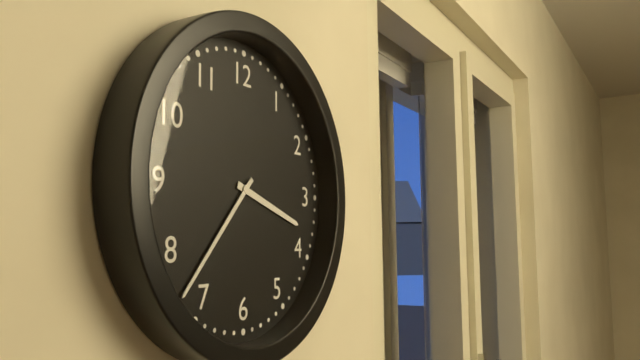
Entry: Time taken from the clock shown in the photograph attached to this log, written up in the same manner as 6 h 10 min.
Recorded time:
3 h 37 min
